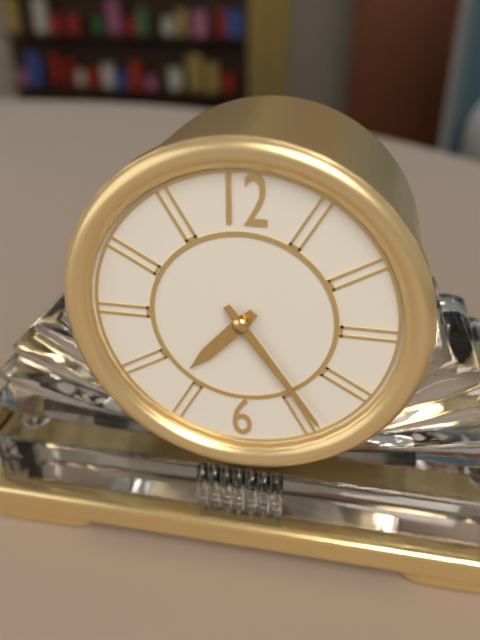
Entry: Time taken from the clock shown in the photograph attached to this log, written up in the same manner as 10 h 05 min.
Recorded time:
7 h 24 min
